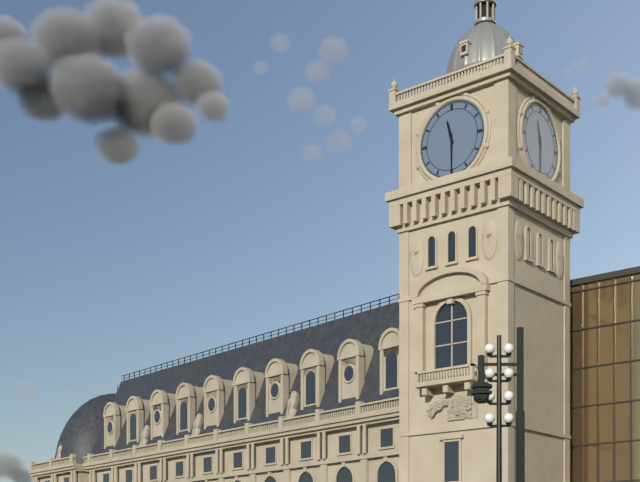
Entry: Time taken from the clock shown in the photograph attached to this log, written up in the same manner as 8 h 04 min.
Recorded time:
11 h 30 min
